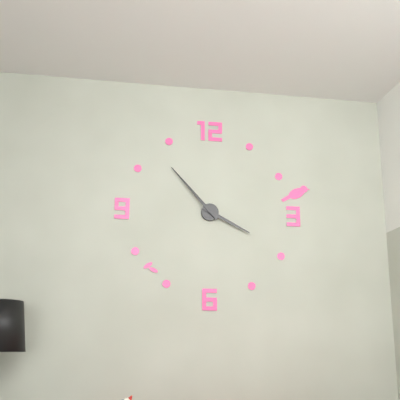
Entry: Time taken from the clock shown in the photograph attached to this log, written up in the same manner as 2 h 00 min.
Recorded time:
3 h 53 min
